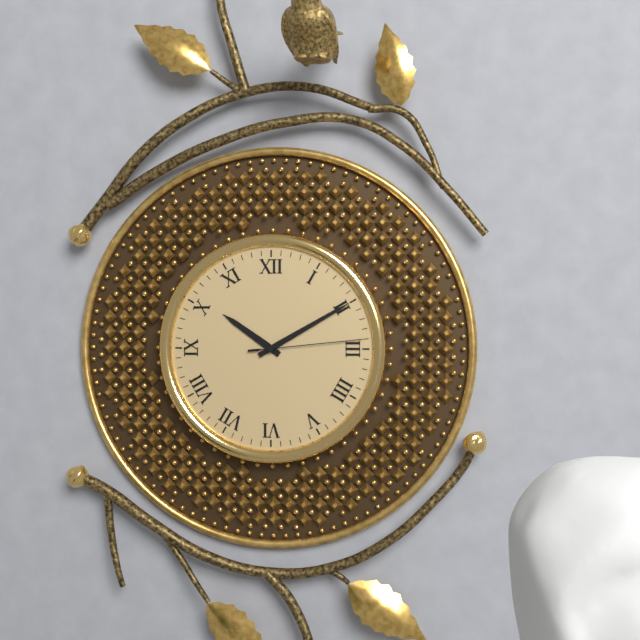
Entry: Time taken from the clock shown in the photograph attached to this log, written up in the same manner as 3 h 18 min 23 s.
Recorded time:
10 h 10 min 14 s
